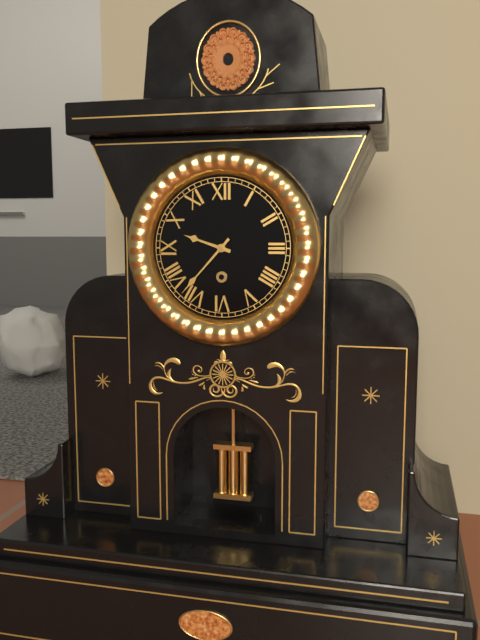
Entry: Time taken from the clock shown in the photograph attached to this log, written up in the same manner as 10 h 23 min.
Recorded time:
9 h 37 min
